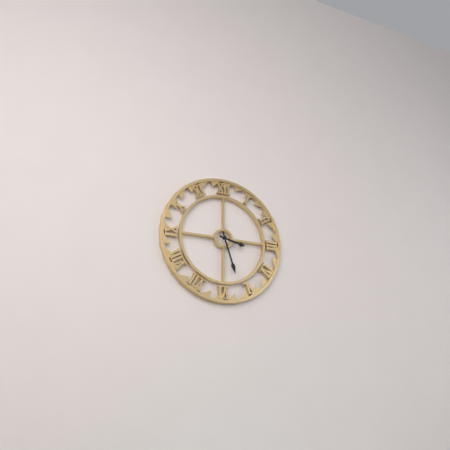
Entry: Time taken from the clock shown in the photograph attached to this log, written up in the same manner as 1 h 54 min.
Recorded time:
3 h 27 min
